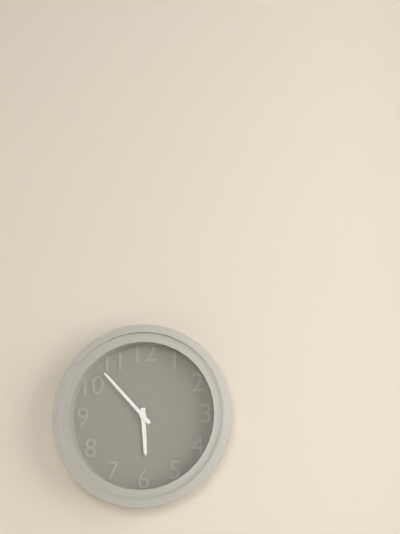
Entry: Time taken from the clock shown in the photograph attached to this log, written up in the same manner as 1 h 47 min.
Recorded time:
5 h 53 min
